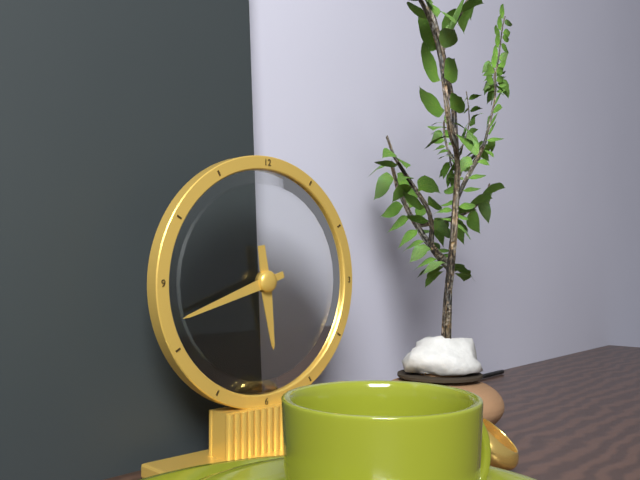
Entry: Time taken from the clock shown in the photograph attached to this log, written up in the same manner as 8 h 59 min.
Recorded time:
5 h 42 min
